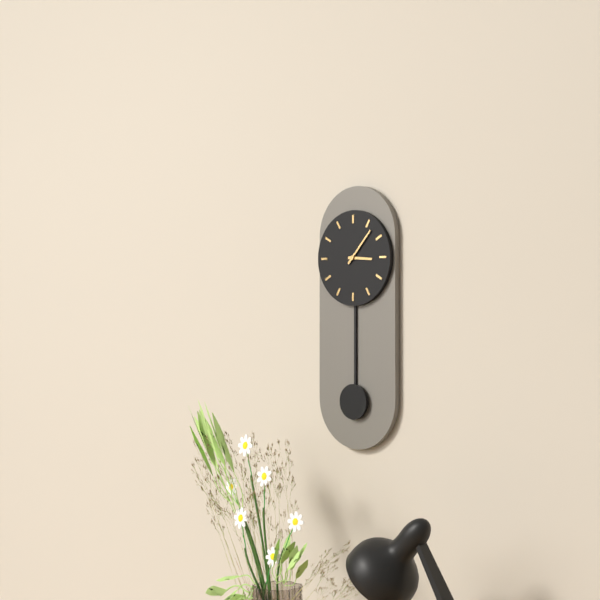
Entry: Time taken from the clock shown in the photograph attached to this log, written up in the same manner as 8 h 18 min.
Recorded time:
3 h 07 min
